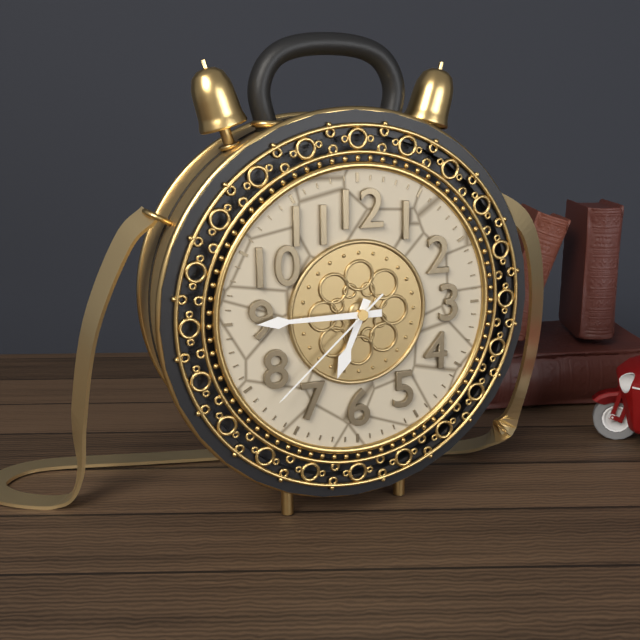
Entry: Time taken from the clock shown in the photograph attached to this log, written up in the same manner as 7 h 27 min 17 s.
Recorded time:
6 h 45 min 38 s
